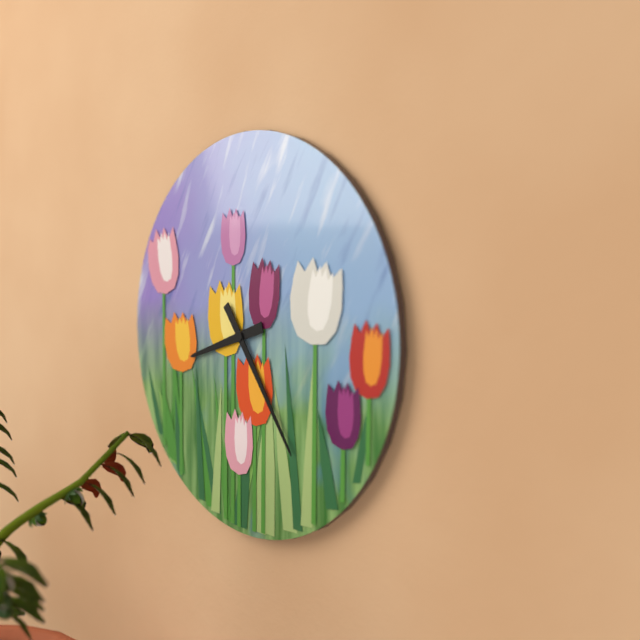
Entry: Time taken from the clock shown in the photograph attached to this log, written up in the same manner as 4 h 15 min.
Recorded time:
8 h 24 min
